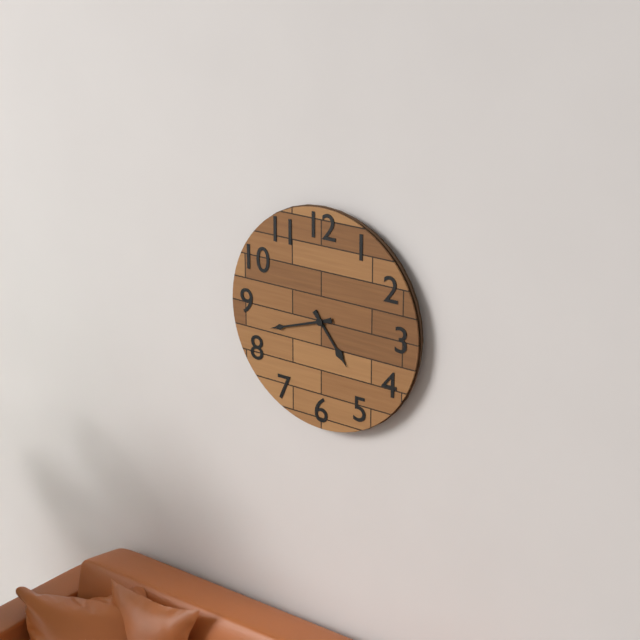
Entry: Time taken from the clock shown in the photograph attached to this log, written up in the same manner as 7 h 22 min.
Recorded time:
4 h 42 min
